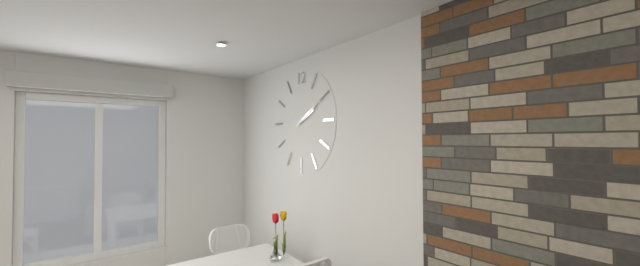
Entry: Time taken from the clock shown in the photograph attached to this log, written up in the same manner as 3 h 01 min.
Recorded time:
2 h 10 min
